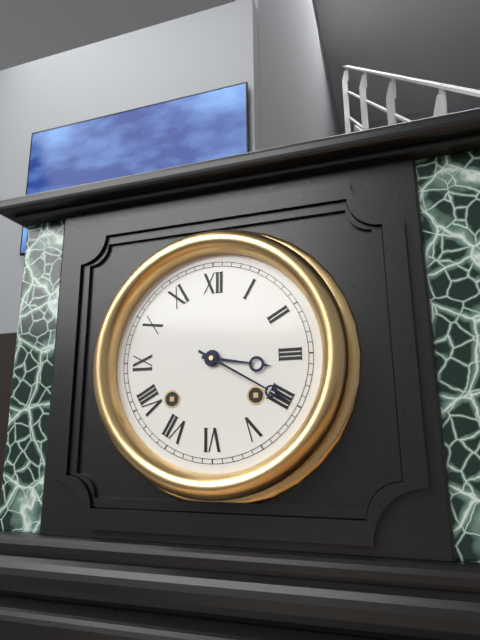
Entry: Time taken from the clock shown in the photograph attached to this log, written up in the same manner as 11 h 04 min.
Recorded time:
3 h 20 min
